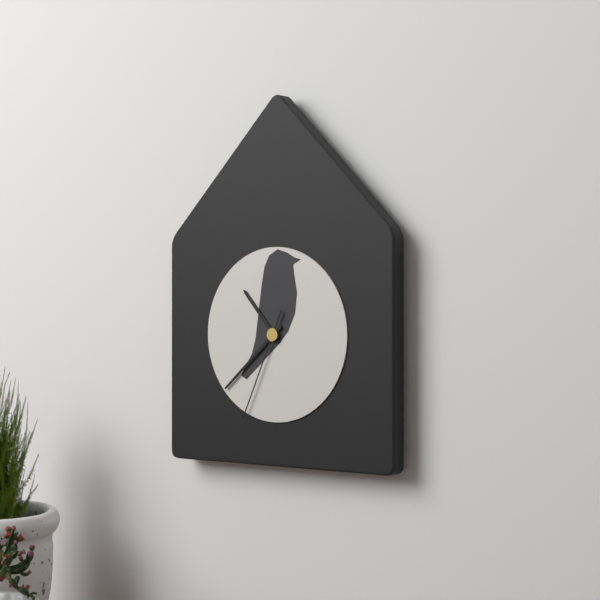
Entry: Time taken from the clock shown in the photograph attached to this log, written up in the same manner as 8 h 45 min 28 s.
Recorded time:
10 h 38 min 34 s
